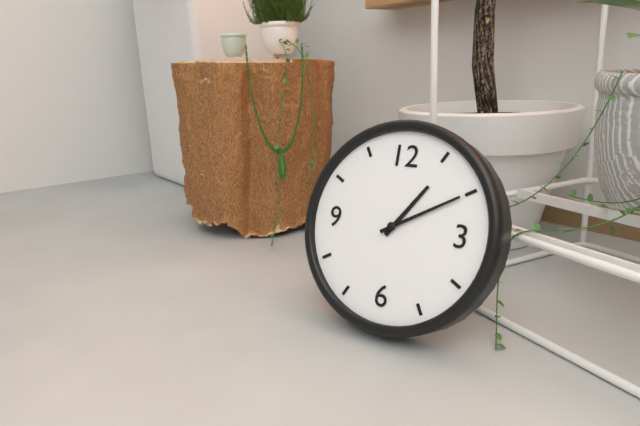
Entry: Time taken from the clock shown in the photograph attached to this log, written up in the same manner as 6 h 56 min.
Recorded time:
1 h 10 min
